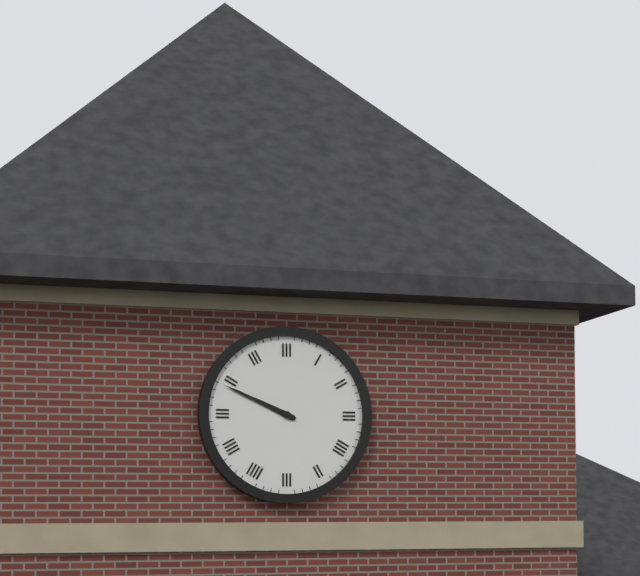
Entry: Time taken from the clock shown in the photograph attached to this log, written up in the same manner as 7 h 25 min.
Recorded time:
9 h 49 min
